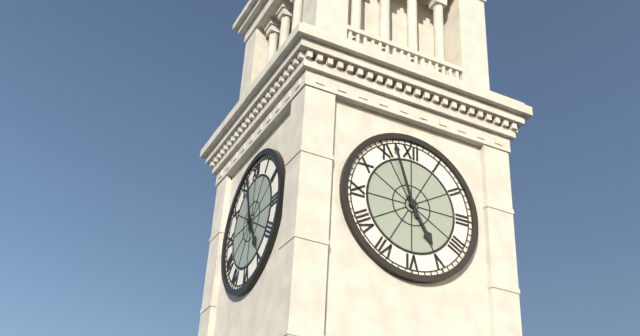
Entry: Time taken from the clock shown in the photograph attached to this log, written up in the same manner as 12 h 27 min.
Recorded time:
4 h 57 min
